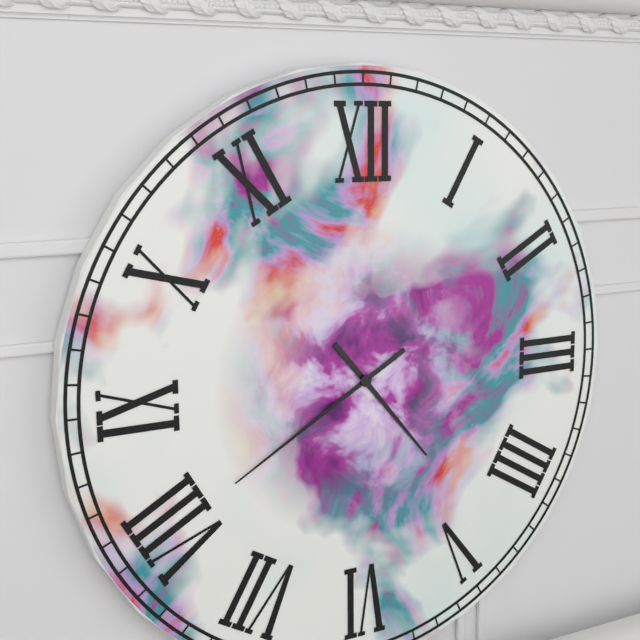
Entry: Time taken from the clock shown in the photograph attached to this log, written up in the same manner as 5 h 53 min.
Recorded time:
4 h 40 min
